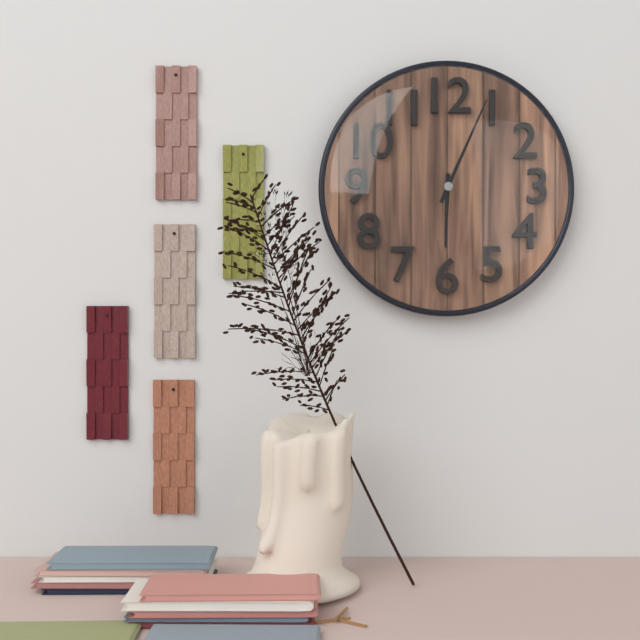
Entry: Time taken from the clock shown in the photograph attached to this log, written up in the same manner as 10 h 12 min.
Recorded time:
6 h 04 min
